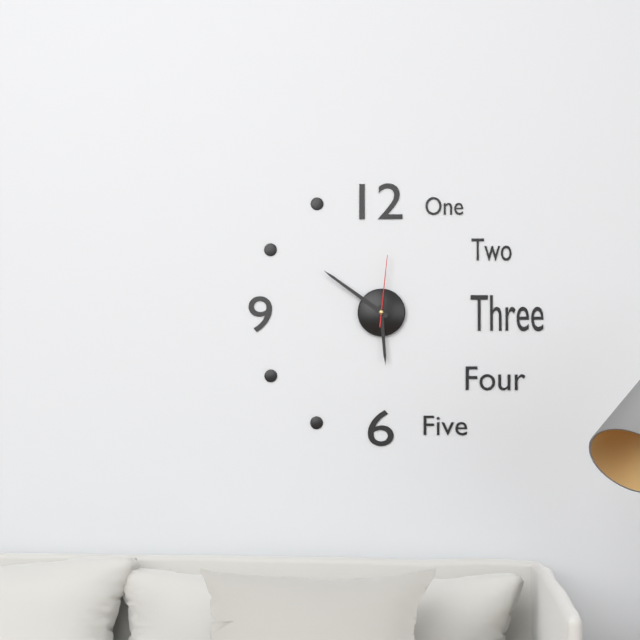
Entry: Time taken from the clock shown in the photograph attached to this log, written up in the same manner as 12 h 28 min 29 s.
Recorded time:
5 h 51 min 01 s
